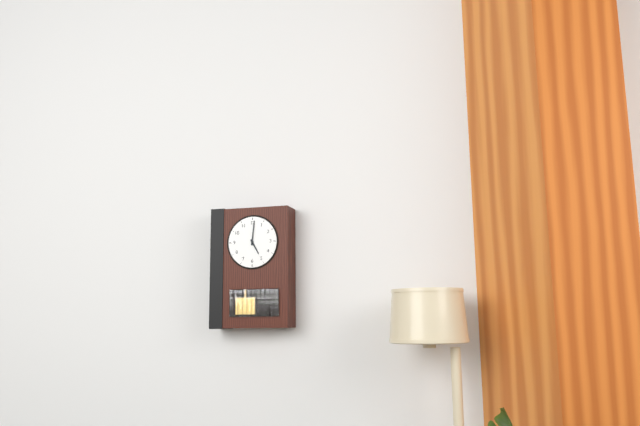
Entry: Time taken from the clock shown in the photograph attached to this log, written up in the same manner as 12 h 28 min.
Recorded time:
5 h 01 min
